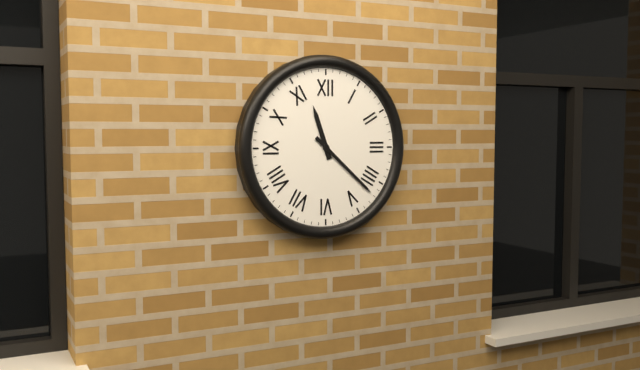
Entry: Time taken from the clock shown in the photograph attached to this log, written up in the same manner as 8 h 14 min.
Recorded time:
11 h 22 min
